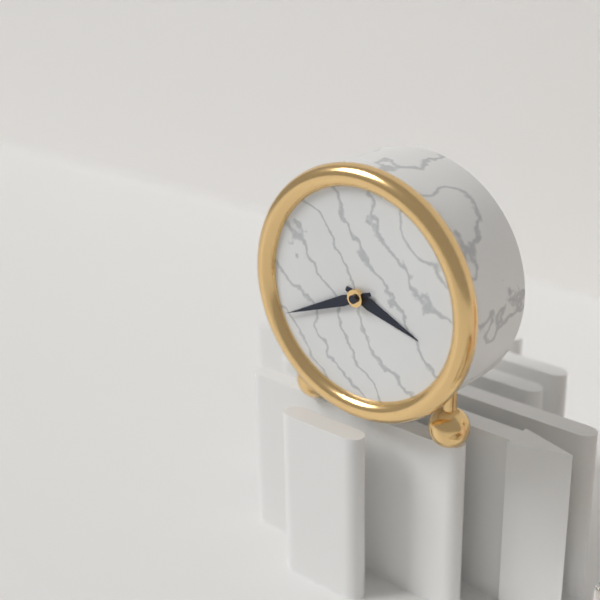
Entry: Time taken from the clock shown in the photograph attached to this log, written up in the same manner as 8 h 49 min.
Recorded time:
3 h 41 min
